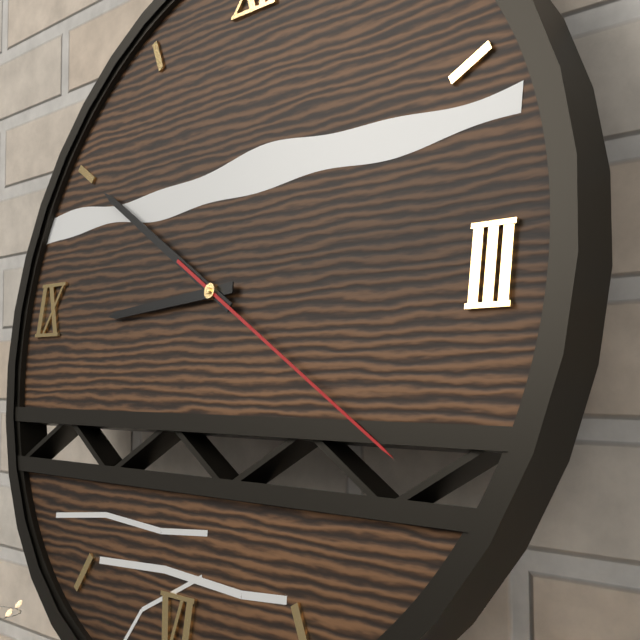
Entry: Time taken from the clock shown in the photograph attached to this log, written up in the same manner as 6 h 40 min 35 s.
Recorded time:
8 h 50 min 20 s
